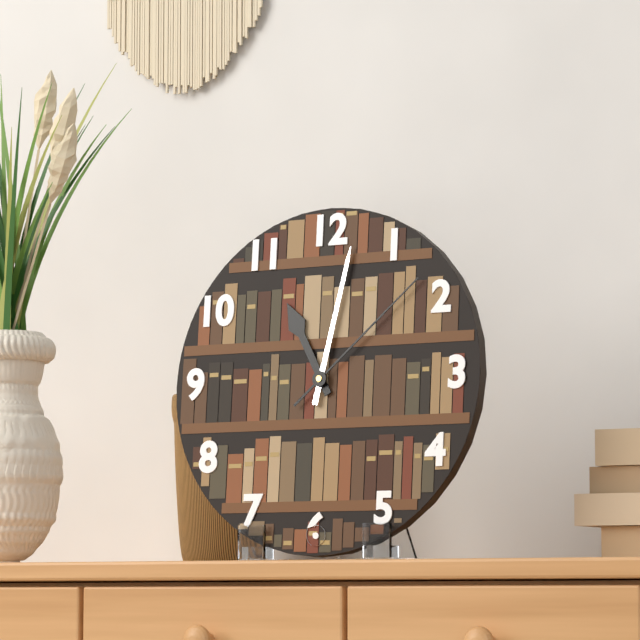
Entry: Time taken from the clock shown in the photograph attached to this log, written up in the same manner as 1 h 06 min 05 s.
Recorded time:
11 h 02 min 08 s
